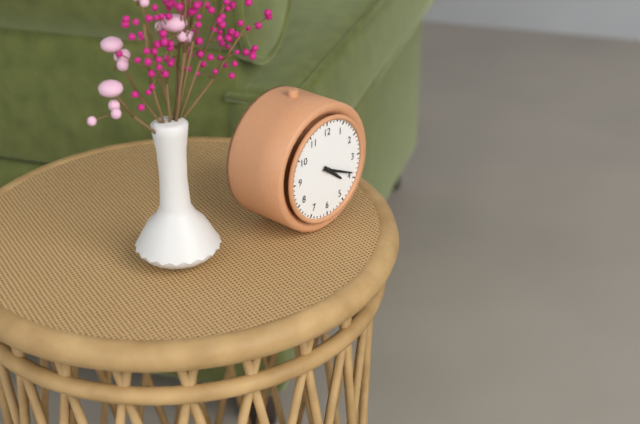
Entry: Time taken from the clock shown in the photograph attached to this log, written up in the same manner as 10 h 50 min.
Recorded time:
4 h 19 min
